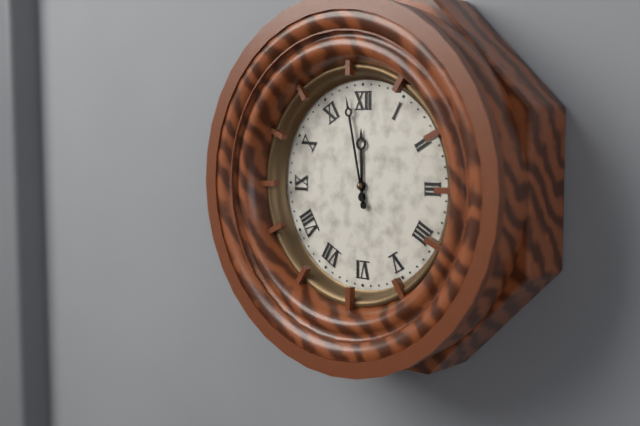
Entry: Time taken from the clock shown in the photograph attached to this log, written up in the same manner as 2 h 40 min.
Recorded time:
11 h 58 min
